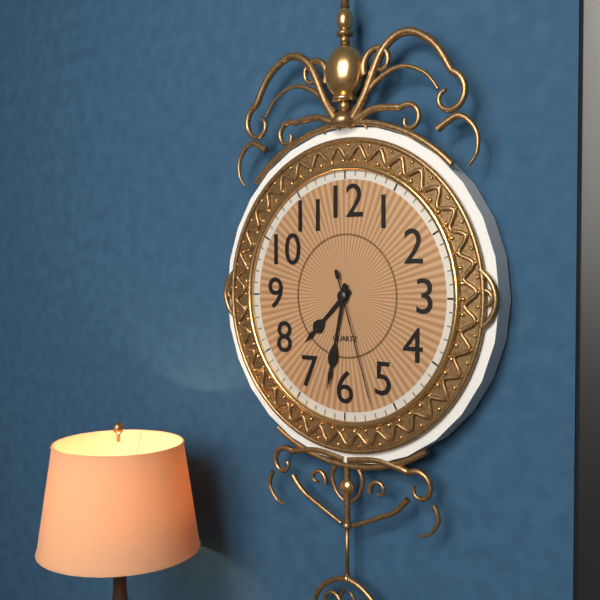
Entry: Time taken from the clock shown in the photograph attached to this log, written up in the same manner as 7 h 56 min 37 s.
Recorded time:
7 h 32 min 27 s
